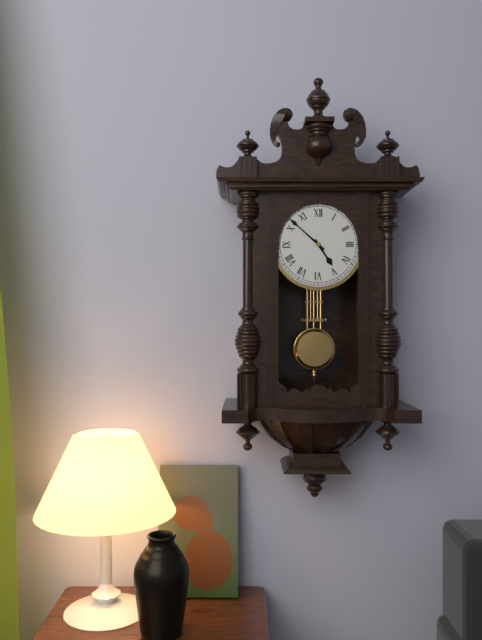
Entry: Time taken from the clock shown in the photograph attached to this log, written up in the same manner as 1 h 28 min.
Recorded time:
4 h 52 min
